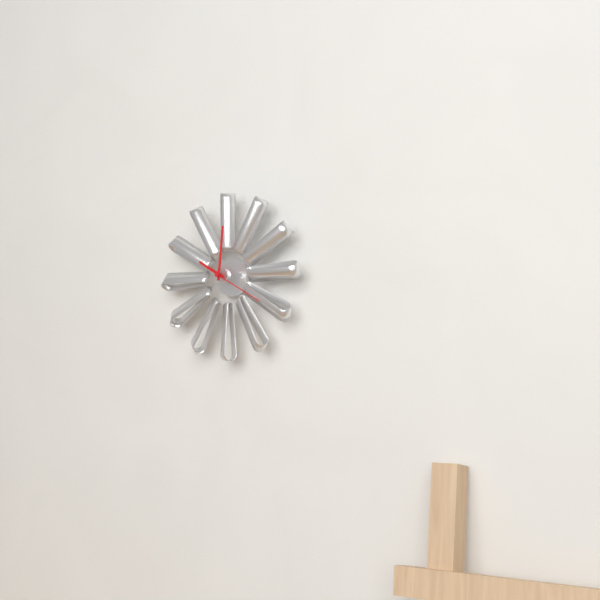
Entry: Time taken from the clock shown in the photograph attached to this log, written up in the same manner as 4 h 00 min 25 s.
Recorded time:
10 h 01 min 20 s
